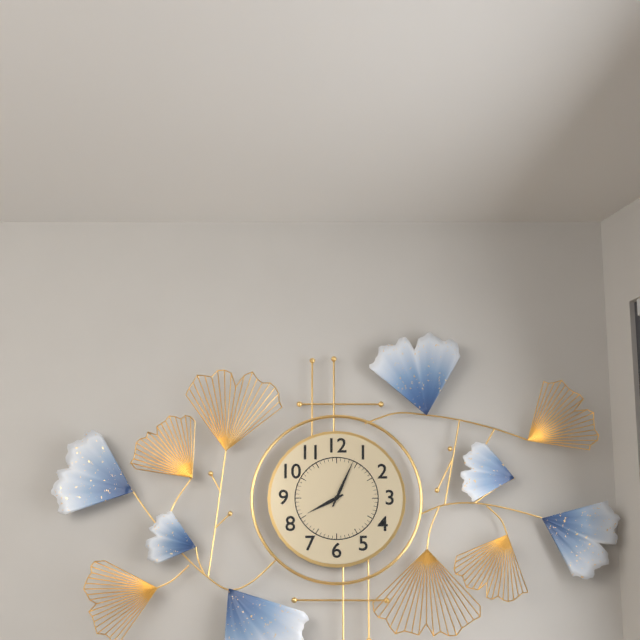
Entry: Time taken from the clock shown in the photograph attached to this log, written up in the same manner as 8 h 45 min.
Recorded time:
8 h 04 min
